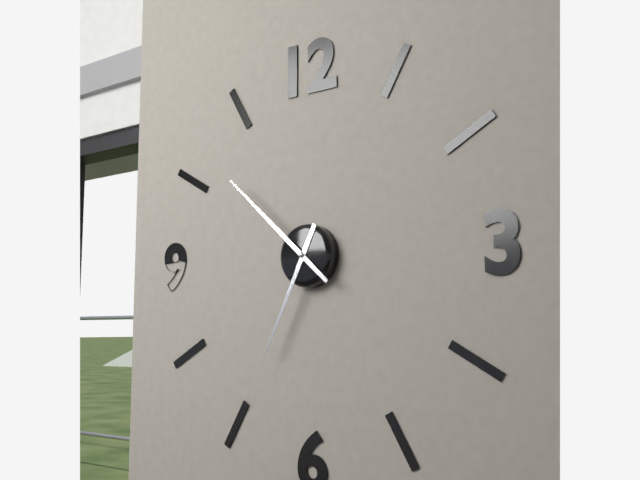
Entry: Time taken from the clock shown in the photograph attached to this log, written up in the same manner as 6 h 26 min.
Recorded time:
6 h 52 min
